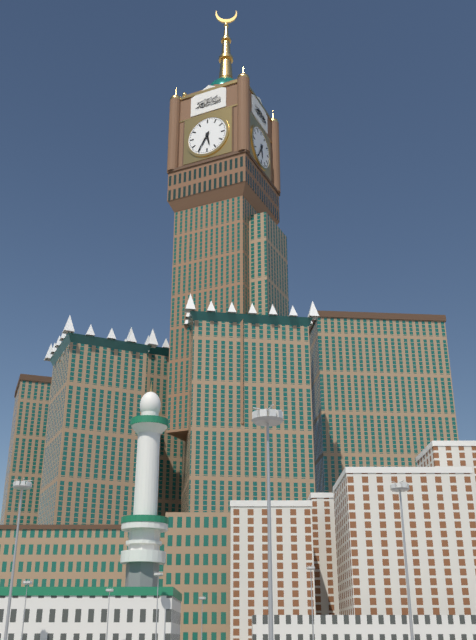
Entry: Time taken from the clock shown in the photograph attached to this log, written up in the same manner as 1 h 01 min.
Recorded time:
5 h 35 min
